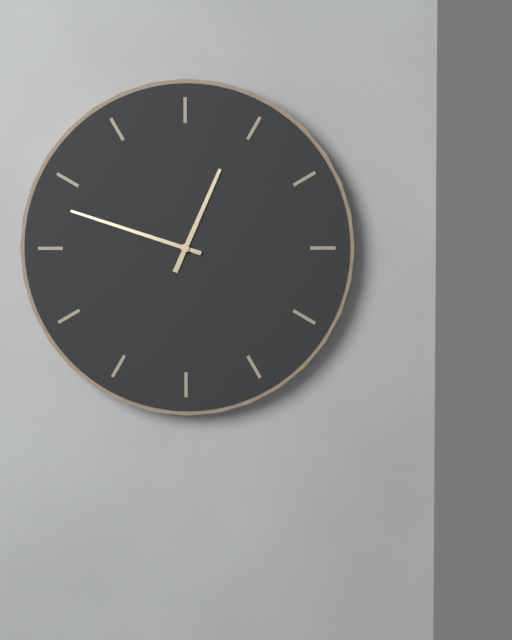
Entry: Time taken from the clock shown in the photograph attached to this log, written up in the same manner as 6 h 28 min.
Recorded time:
12 h 48 min
